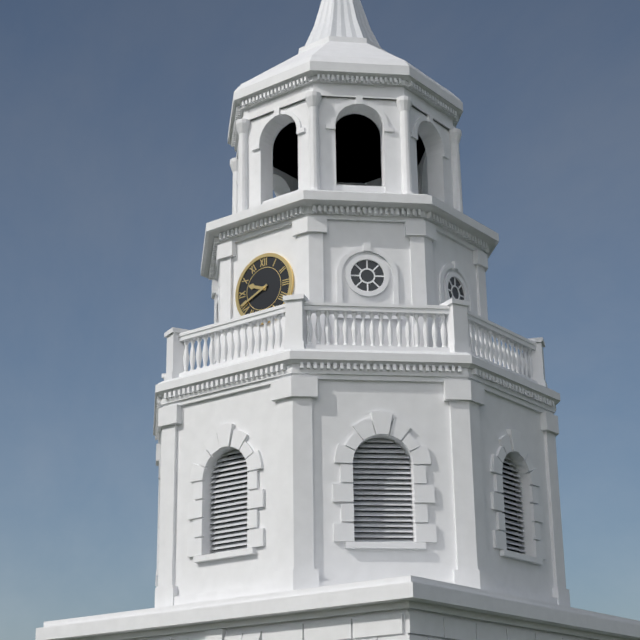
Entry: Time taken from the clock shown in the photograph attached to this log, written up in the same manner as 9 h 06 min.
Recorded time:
9 h 41 min
